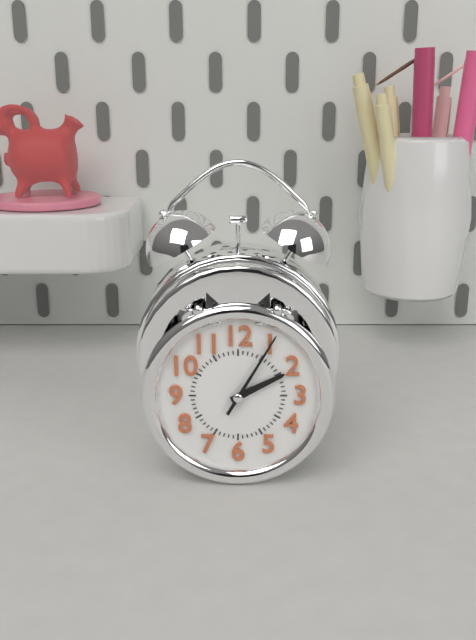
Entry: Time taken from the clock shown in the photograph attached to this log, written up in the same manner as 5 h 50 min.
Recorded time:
2 h 05 min
